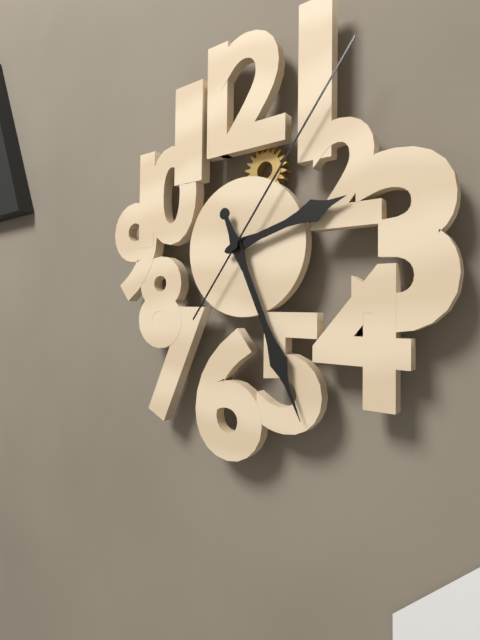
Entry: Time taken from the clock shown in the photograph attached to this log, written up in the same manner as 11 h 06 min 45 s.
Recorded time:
2 h 26 min 06 s
